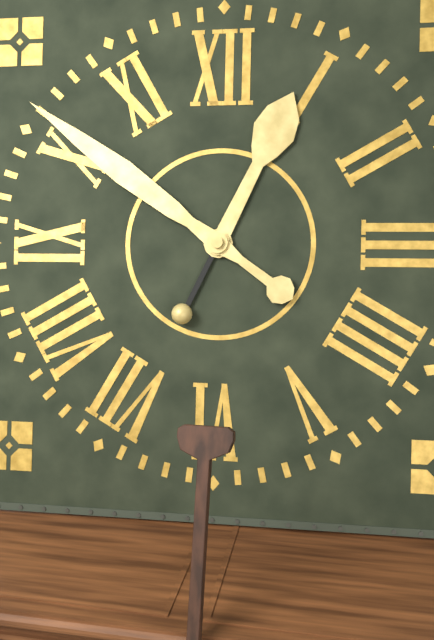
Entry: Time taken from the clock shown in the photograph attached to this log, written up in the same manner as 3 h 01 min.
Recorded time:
12 h 51 min
